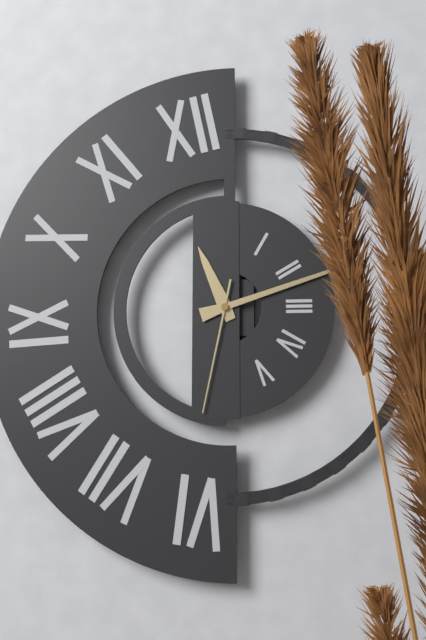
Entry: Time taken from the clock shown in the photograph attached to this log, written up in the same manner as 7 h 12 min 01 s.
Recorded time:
11 h 12 min 32 s
